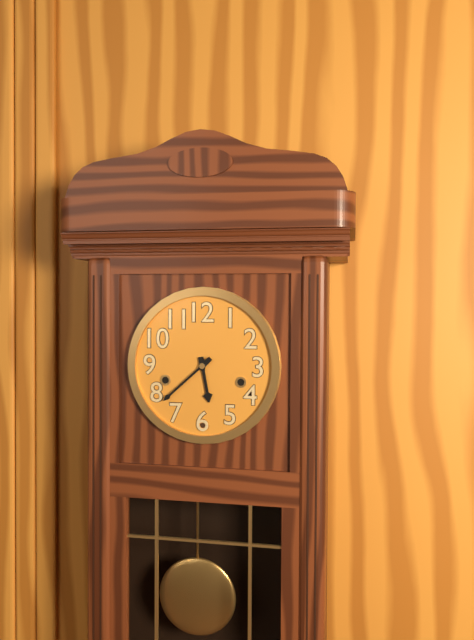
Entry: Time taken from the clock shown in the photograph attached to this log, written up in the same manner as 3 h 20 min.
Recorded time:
5 h 38 min
